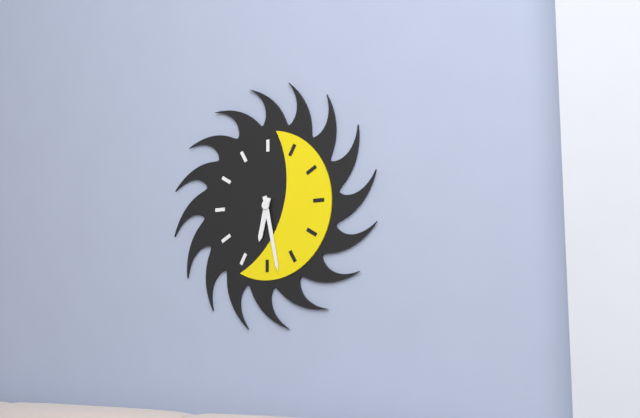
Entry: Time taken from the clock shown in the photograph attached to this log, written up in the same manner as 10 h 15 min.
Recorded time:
6 h 28 min
